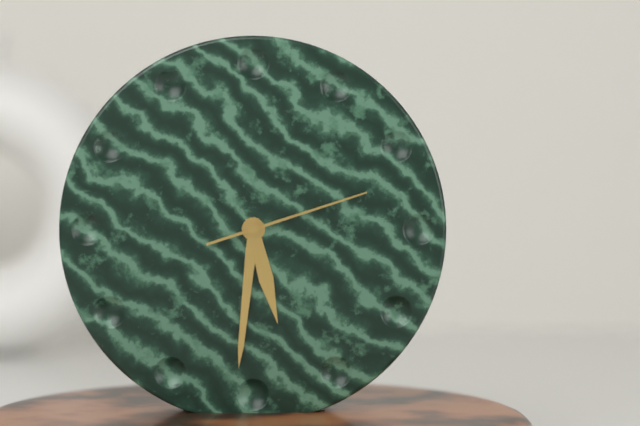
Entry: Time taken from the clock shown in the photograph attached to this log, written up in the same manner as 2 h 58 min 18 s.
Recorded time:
5 h 31 min 12 s
